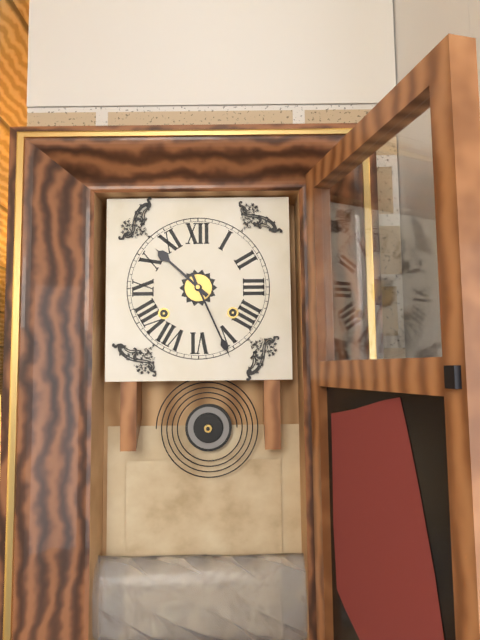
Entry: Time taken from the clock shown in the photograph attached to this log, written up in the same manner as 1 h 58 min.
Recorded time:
10 h 26 min
